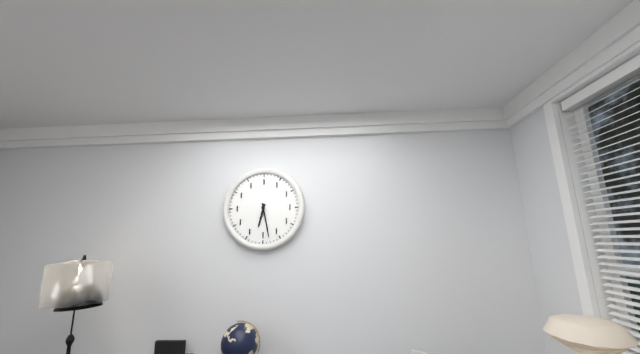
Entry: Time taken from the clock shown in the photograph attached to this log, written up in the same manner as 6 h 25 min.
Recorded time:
6 h 28 min
